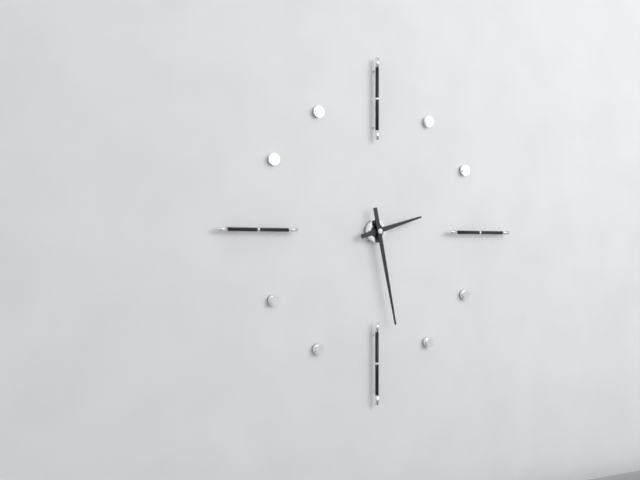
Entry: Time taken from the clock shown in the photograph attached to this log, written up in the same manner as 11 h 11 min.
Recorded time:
2 h 28 min
